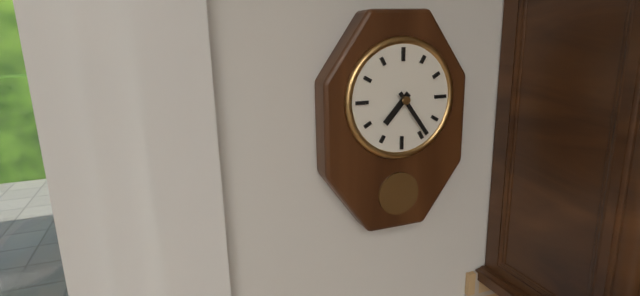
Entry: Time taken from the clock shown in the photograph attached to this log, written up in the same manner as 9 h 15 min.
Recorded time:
7 h 24 min
